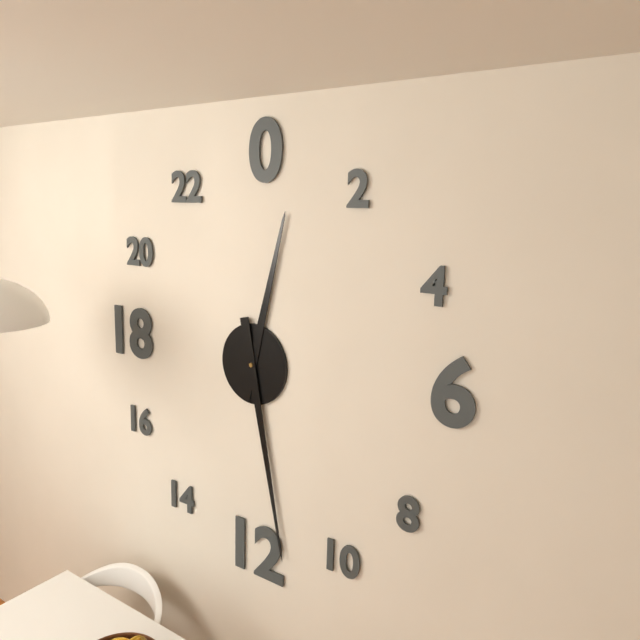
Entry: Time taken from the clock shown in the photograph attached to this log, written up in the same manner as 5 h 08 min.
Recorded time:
12 h 28 min
